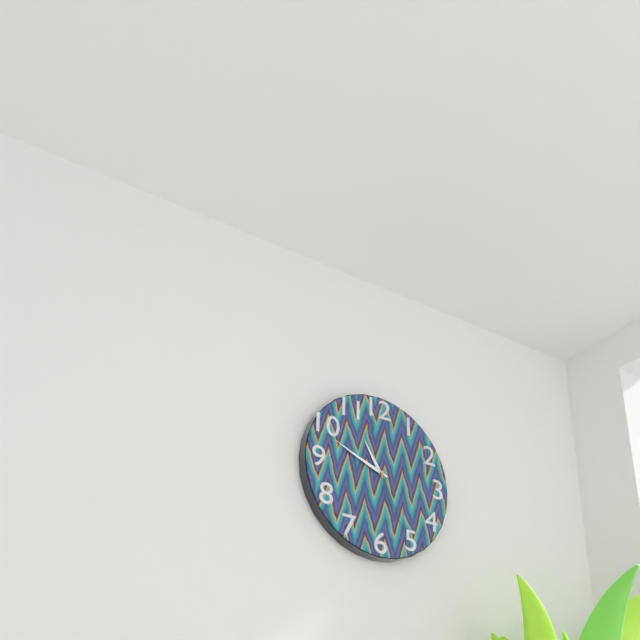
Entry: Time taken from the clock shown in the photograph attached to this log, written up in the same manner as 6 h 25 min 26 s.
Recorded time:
10 h 48 min 26 s
